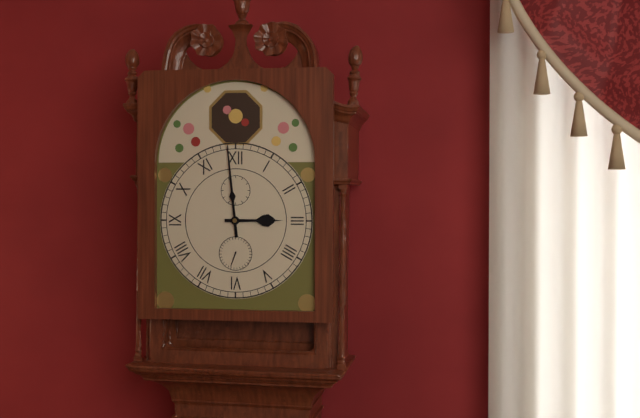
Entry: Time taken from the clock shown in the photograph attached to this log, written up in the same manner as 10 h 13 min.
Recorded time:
2 h 59 min
